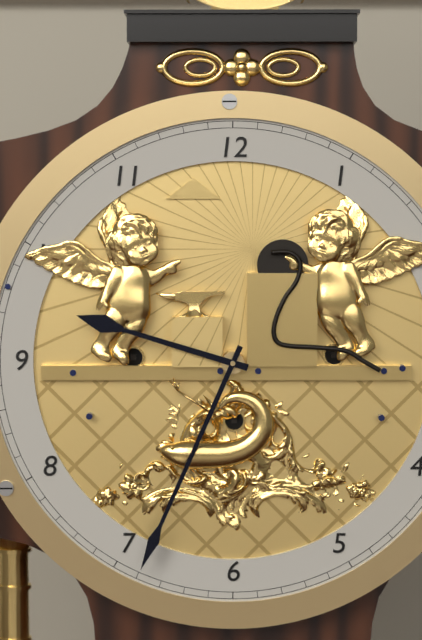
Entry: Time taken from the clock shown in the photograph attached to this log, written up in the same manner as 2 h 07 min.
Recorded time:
9 h 34 min
